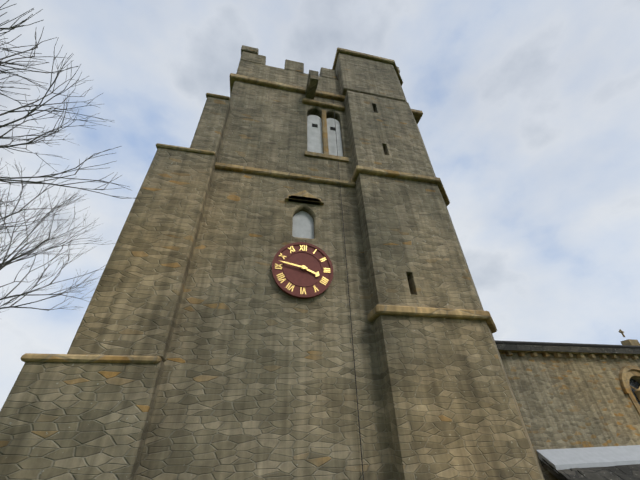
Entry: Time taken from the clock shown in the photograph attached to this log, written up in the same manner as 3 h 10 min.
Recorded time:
3 h 47 min
